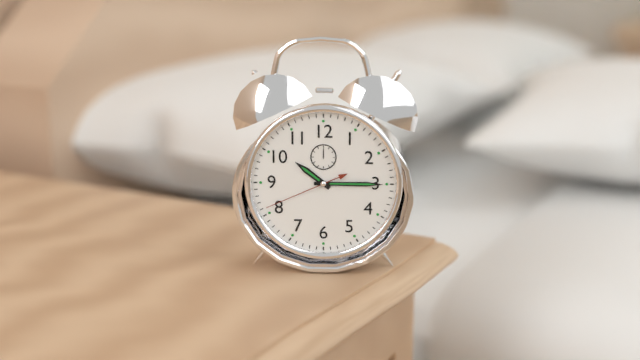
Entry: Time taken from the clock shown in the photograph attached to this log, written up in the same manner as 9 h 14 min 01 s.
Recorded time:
10 h 15 min 41 s
